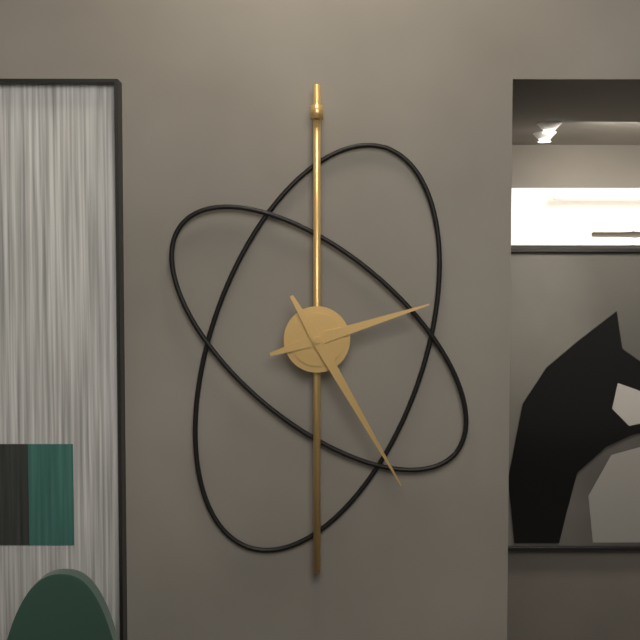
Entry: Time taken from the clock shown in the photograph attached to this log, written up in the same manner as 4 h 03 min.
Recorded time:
2 h 25 min
